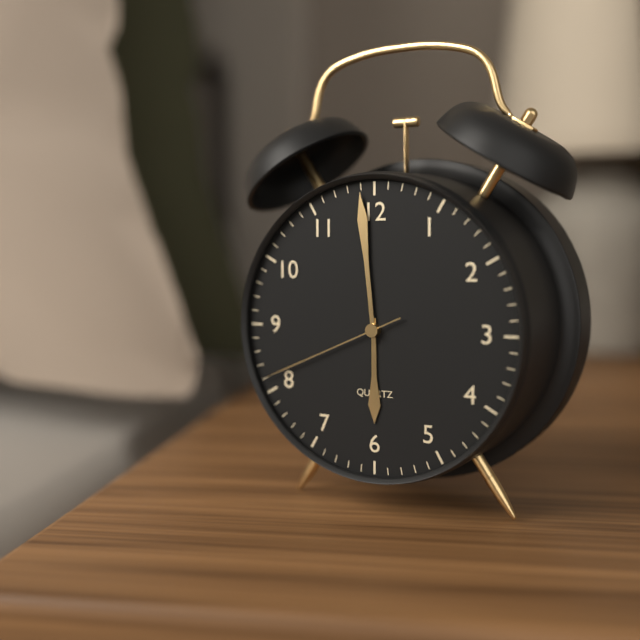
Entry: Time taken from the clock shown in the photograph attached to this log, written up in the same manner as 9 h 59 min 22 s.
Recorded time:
5 h 59 min 41 s
